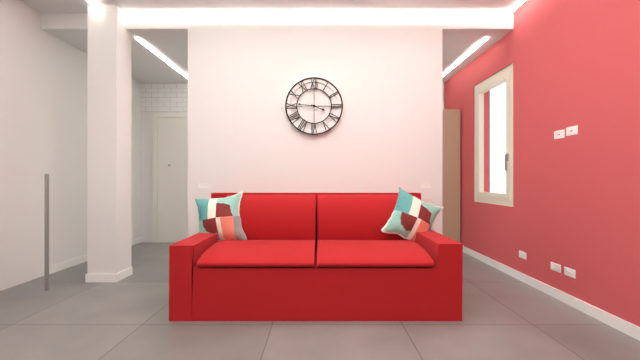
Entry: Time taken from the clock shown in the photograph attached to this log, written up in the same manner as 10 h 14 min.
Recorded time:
3 h 46 min
